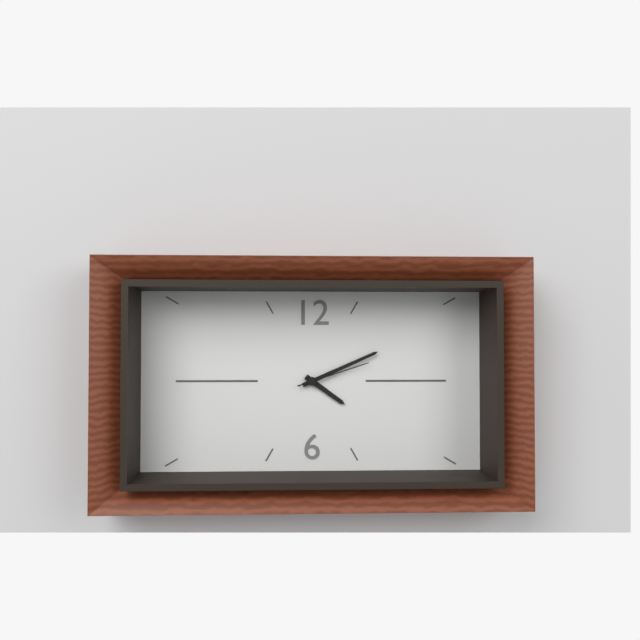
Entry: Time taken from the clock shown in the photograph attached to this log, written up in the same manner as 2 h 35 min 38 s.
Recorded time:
4 h 11 min 12 s
